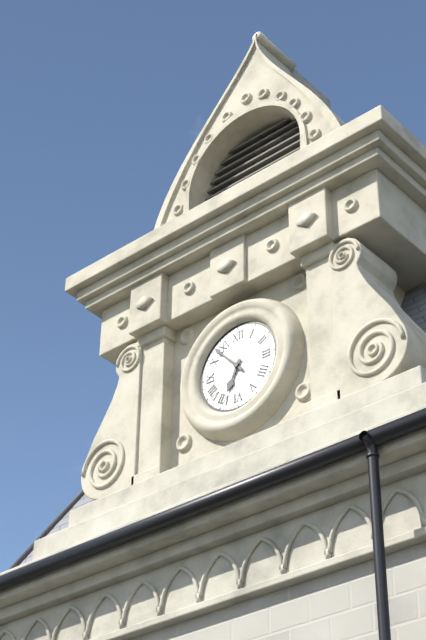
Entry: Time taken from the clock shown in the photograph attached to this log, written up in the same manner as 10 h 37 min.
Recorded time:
6 h 53 min
